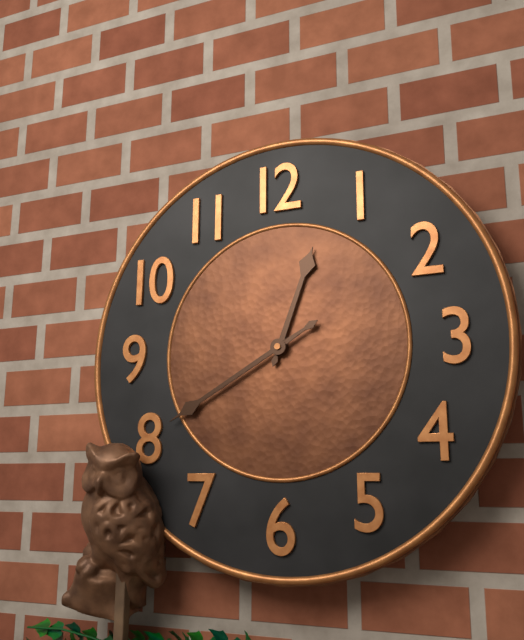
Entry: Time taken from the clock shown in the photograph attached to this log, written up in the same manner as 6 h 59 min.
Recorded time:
12 h 40 min
